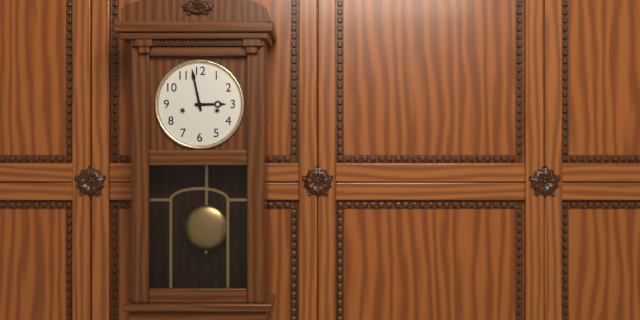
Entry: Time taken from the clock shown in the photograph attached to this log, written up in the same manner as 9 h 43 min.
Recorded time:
2 h 58 min
